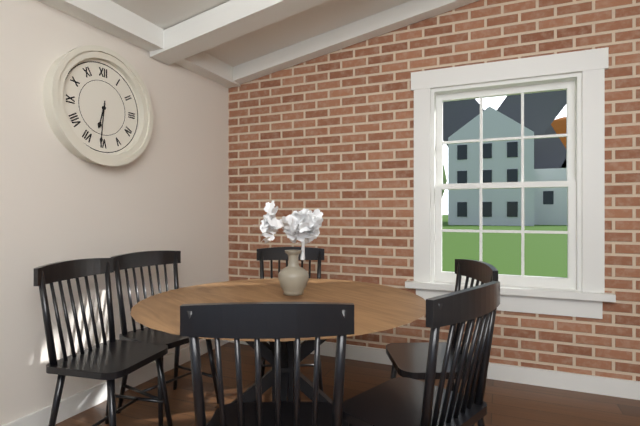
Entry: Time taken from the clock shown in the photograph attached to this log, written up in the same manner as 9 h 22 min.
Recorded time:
6 h 31 min
